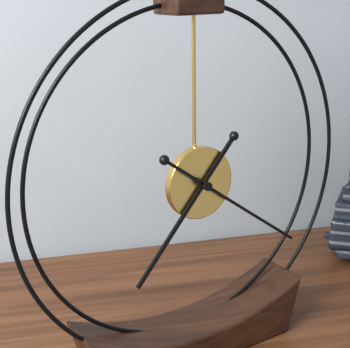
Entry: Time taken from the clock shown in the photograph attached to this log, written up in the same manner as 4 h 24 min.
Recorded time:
7 h 21 min
